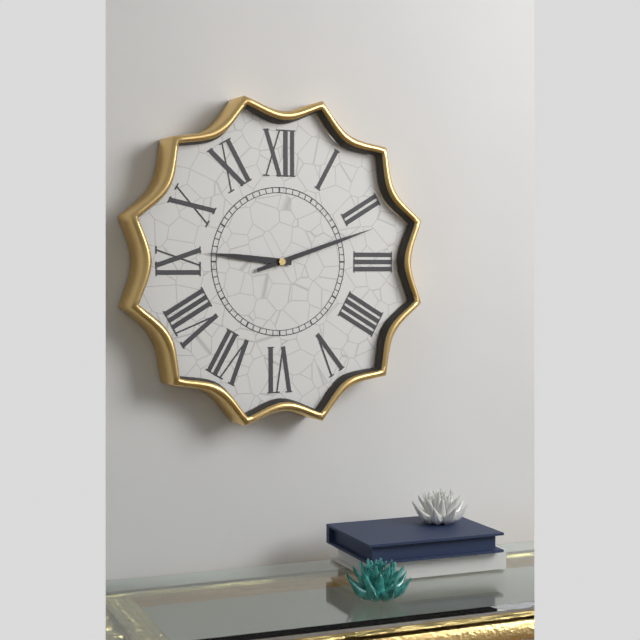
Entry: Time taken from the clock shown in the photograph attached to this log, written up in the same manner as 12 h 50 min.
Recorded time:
9 h 12 min
